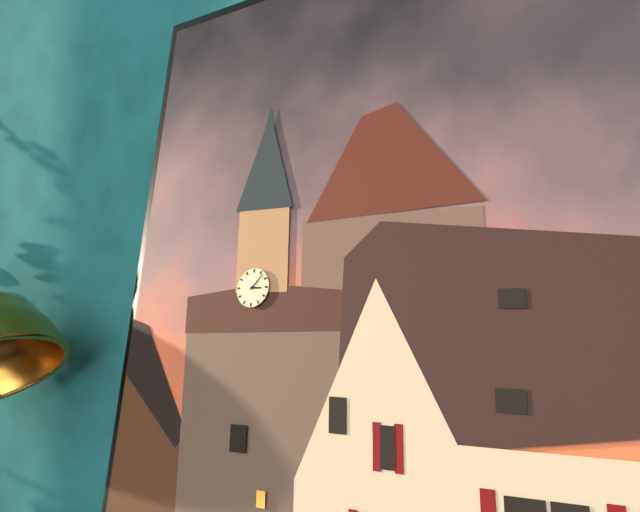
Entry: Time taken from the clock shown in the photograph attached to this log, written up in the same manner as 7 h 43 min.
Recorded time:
3 h 07 min
